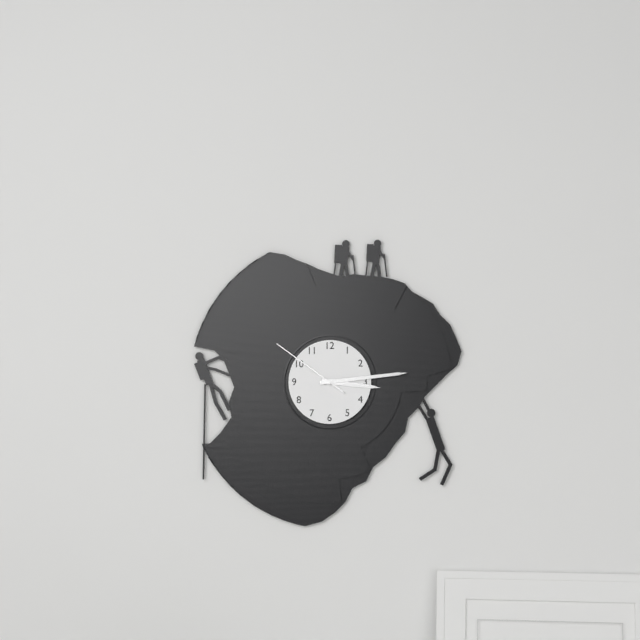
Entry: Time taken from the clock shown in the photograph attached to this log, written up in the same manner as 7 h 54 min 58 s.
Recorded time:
3 h 14 min 51 s
